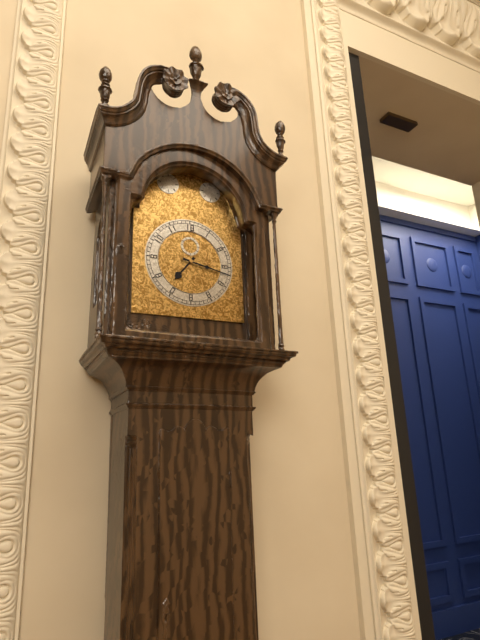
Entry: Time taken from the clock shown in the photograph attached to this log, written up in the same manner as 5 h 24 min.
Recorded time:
7 h 17 min
